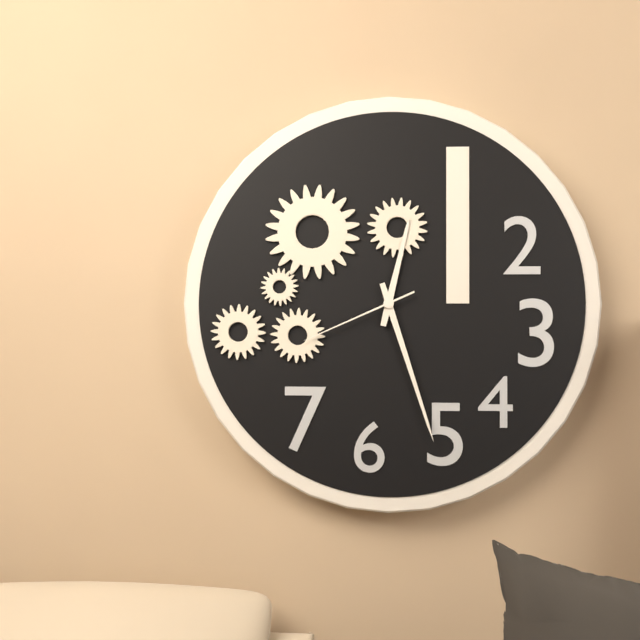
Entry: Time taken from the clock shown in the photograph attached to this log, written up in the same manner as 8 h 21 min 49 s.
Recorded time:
12 h 27 min 41 s
